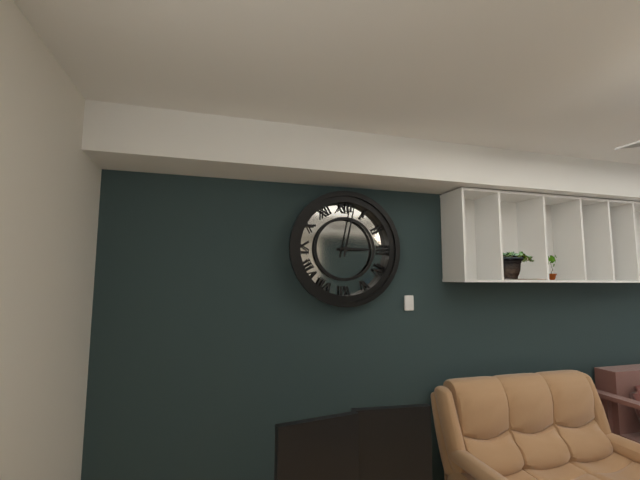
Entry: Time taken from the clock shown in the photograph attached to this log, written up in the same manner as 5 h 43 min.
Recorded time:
3 h 02 min
